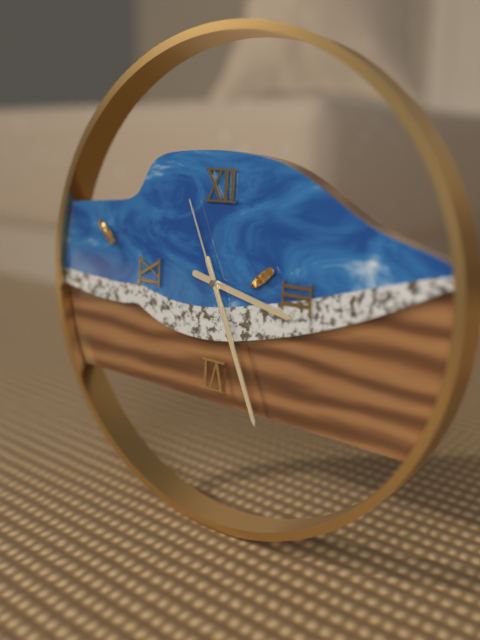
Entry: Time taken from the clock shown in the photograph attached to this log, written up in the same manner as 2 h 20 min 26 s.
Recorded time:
3 h 26 min 56 s
